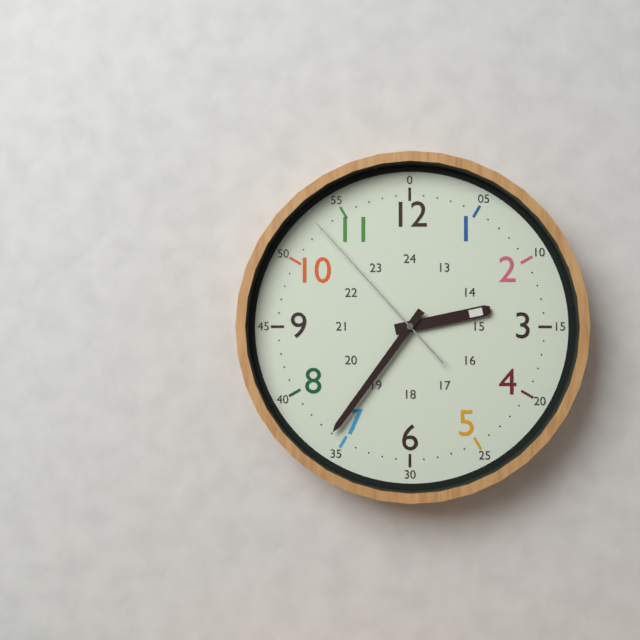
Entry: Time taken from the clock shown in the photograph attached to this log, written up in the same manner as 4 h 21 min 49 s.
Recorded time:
2 h 36 min 53 s
